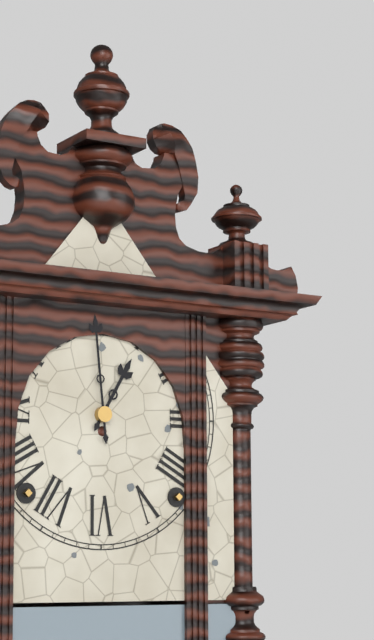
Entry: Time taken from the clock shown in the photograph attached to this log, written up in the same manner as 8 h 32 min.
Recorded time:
12 h 59 min
